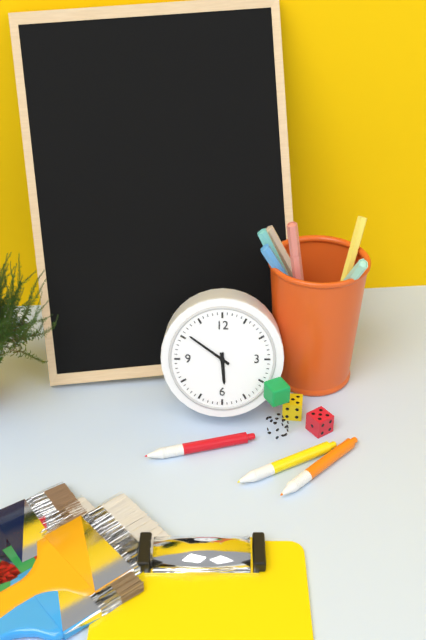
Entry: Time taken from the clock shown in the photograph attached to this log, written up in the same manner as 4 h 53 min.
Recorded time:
5 h 51 min
